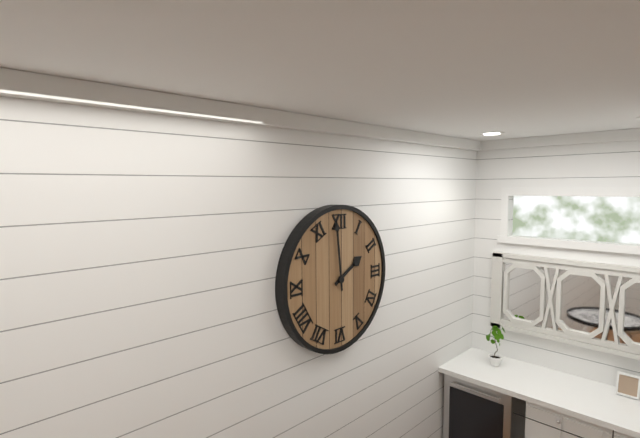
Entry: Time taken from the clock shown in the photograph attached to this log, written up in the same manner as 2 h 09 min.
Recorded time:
1 h 59 min
